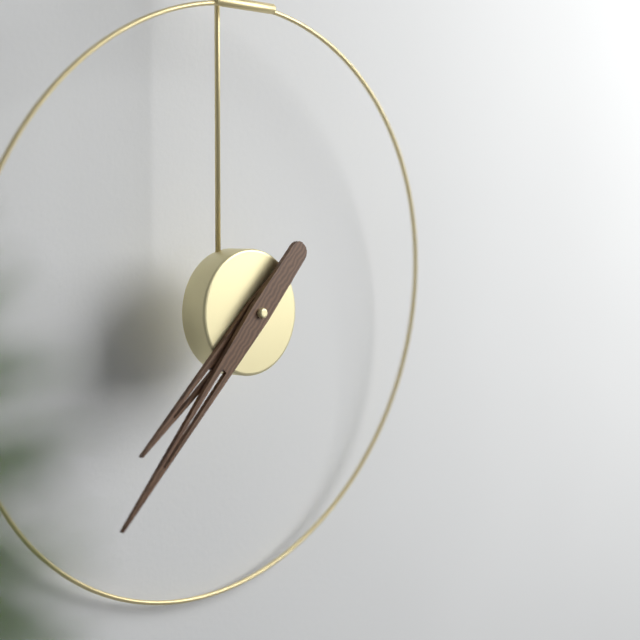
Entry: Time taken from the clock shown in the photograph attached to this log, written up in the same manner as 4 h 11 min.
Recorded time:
7 h 37 min
